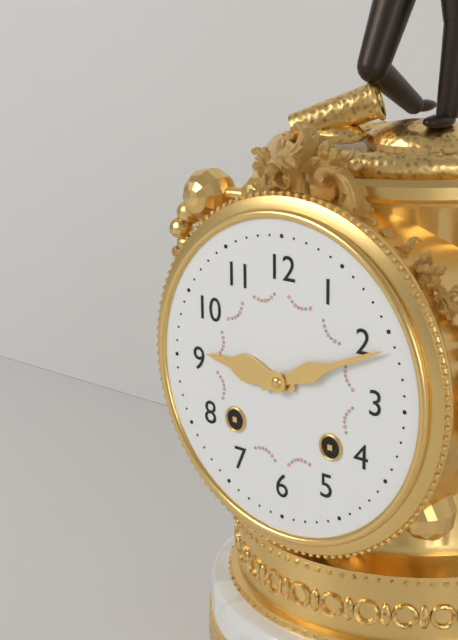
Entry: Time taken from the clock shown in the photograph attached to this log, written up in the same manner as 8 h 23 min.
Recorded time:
9 h 11 min
